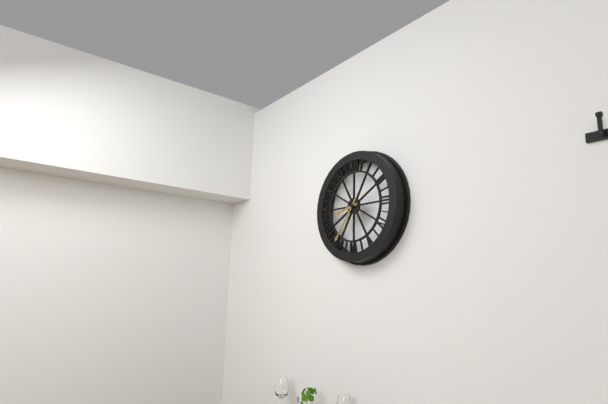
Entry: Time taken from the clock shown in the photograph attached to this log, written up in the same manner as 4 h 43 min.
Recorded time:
8 h 36 min
